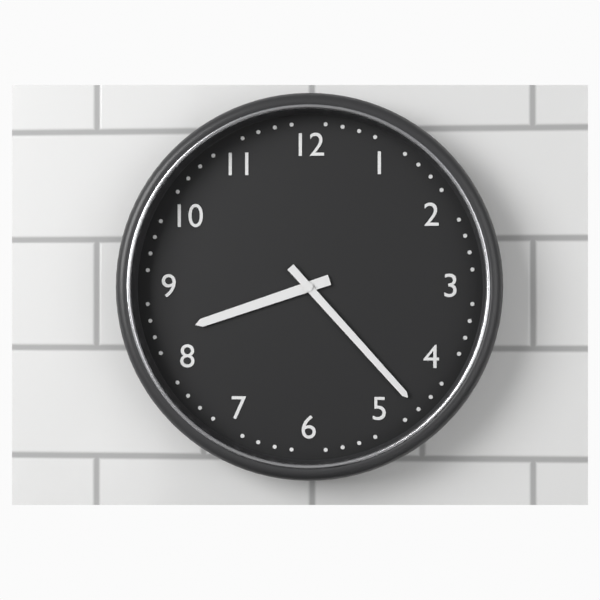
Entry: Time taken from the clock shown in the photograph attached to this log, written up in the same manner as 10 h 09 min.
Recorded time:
8 h 23 min
